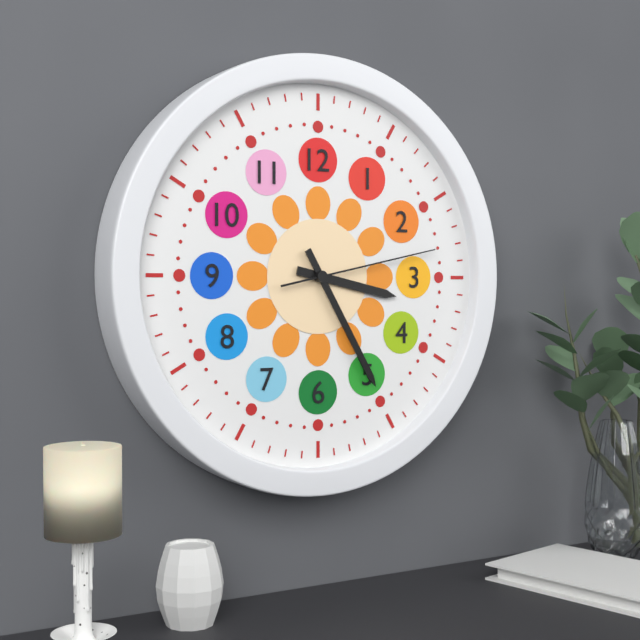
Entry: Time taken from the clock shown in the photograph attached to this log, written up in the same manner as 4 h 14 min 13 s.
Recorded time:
3 h 25 min 13 s
